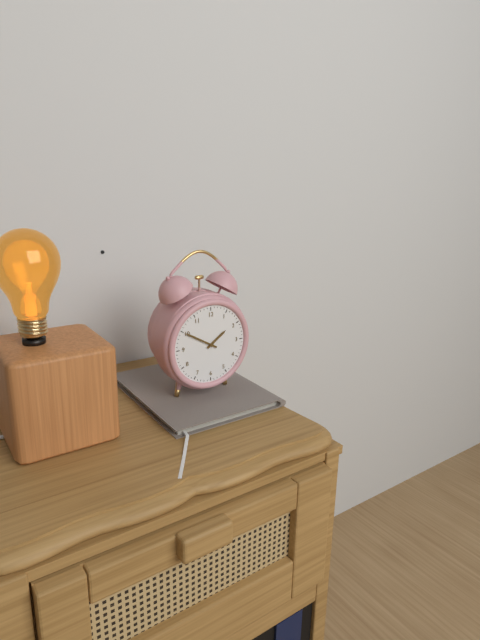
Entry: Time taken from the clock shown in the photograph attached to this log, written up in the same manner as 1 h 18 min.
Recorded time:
1 h 50 min
